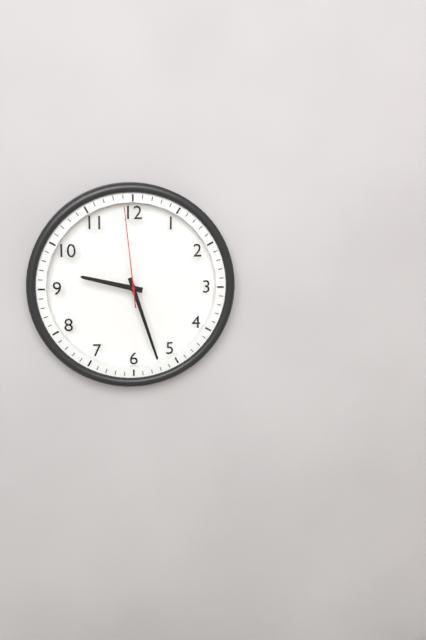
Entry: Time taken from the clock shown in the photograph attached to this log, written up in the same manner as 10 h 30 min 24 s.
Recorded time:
9 h 27 min 59 s
